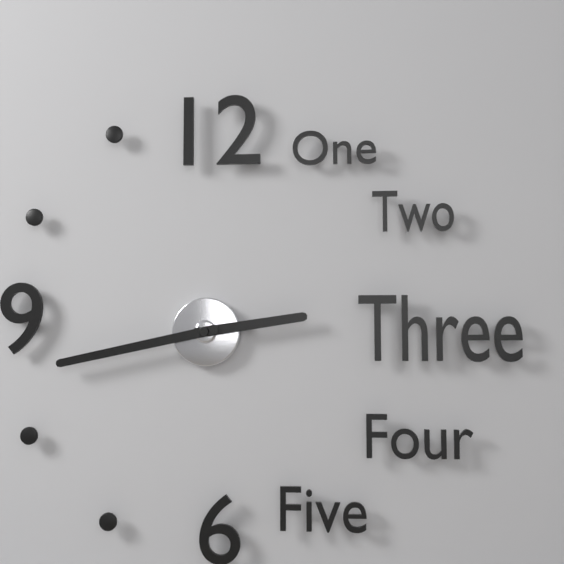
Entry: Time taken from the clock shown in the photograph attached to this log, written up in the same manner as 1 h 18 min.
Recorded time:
2 h 43 min
